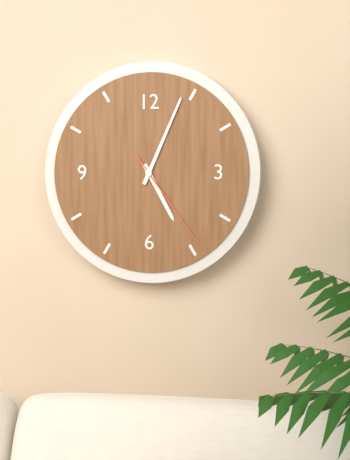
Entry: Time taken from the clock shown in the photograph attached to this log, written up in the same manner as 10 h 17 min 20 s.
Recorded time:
5 h 04 min 24 s
